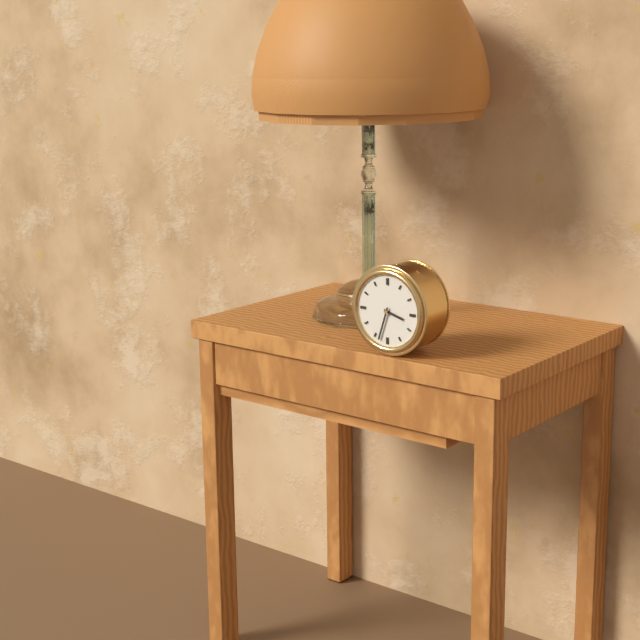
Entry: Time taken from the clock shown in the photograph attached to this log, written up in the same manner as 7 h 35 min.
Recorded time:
3 h 33 min
